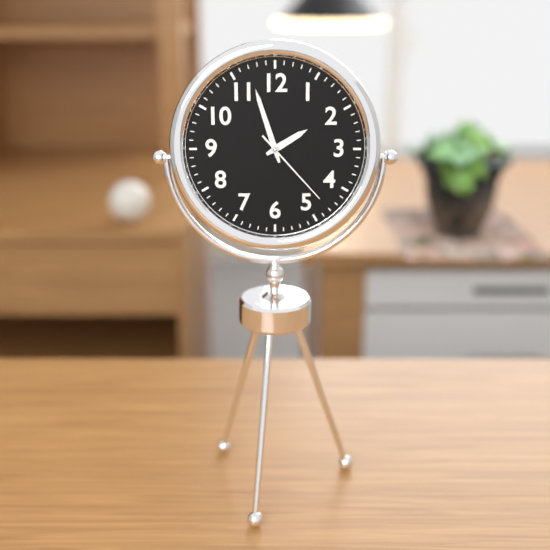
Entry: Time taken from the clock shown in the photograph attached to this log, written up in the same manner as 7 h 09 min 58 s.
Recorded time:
1 h 57 min 23 s
